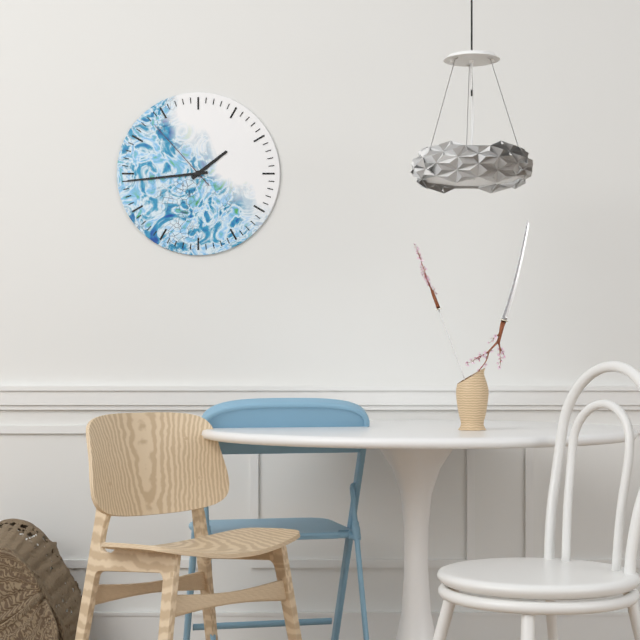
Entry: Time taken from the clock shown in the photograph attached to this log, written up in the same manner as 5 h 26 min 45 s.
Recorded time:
1 h 44 min 53 s
